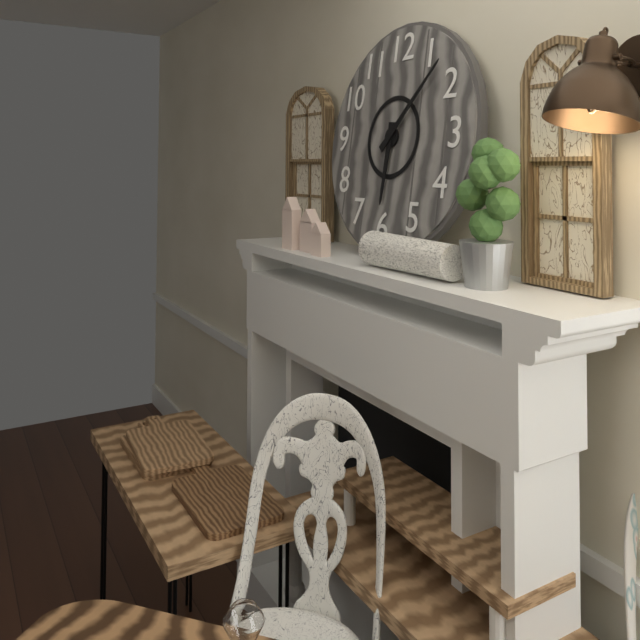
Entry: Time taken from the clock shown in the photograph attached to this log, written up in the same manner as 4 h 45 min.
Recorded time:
6 h 07 min
